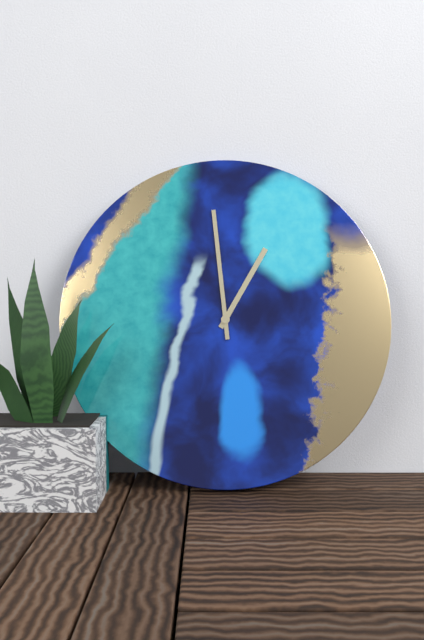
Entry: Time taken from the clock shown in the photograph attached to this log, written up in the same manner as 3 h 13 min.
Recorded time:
12 h 59 min
